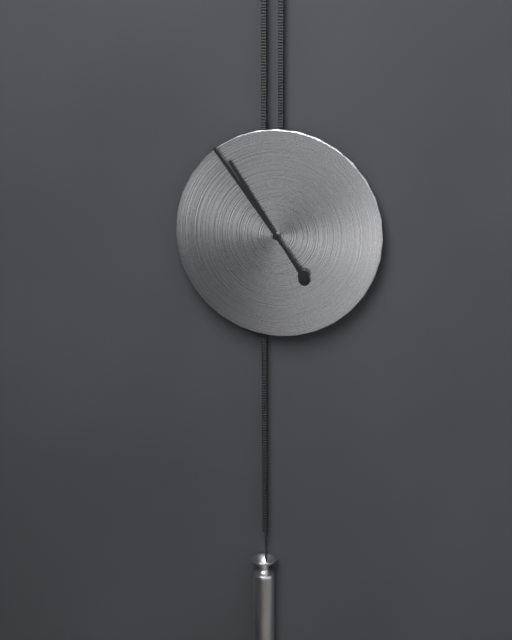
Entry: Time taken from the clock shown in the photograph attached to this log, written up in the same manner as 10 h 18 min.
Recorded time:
10 h 54 min
